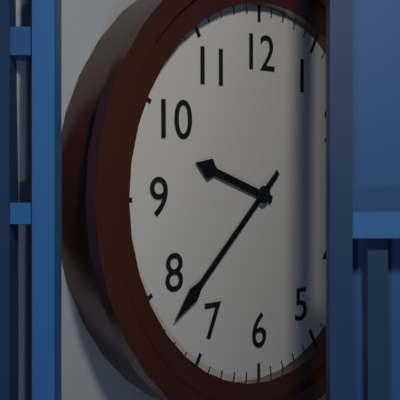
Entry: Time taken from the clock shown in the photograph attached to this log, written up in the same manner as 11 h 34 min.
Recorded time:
9 h 38 min
